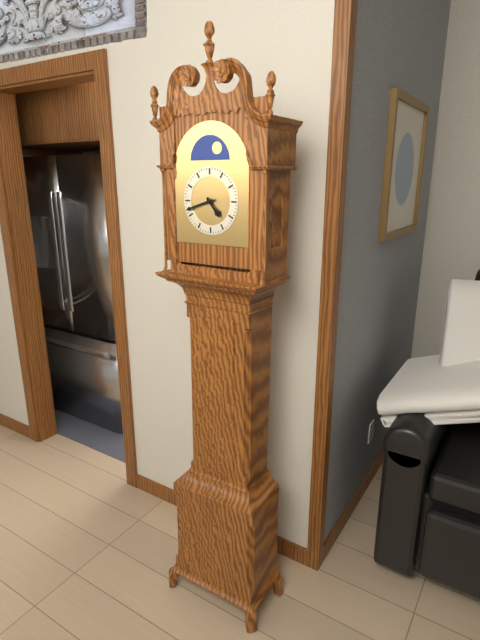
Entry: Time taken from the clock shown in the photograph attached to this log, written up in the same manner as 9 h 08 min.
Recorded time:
4 h 42 min
